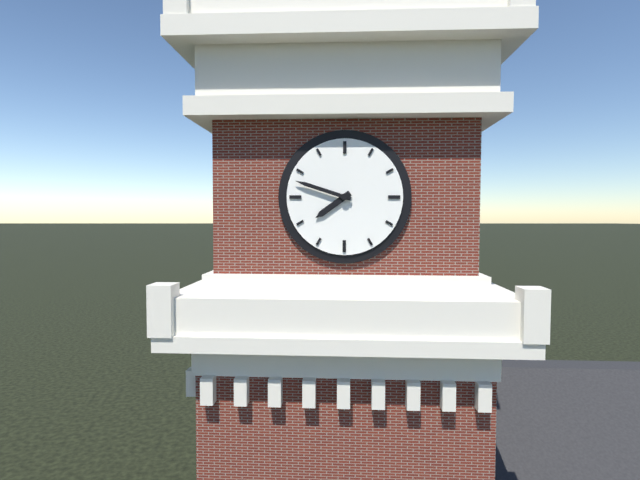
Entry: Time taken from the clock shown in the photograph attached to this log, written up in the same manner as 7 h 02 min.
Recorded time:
7 h 48 min
